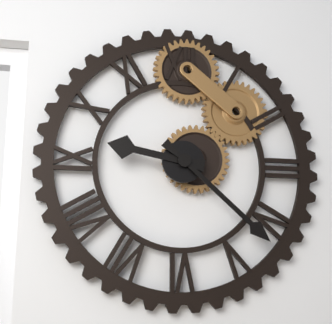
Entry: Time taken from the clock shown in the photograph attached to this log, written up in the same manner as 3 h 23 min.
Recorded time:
9 h 22 min
